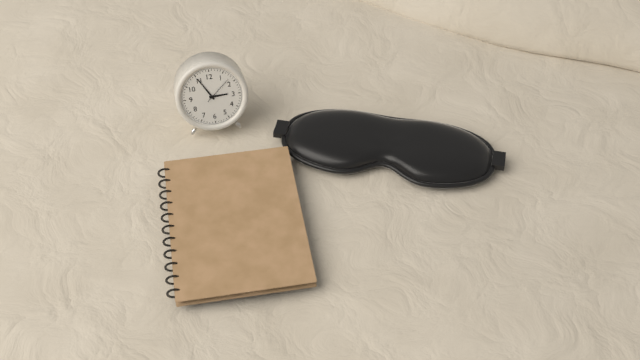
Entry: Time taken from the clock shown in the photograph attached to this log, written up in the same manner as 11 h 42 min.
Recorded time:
2 h 55 min
